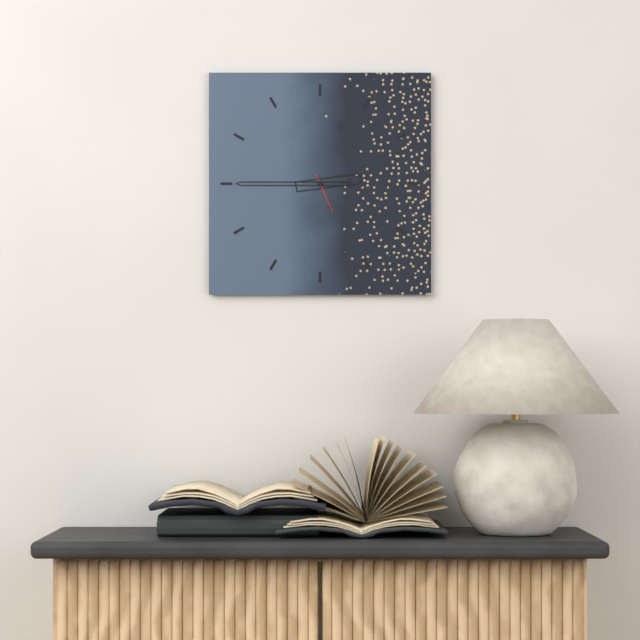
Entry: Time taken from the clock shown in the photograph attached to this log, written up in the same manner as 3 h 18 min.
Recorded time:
2 h 45 min
